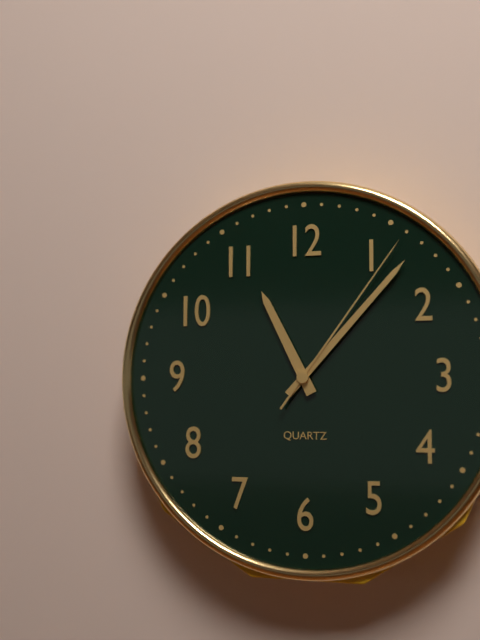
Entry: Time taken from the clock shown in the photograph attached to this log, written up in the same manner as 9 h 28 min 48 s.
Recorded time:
11 h 07 min 06 s
